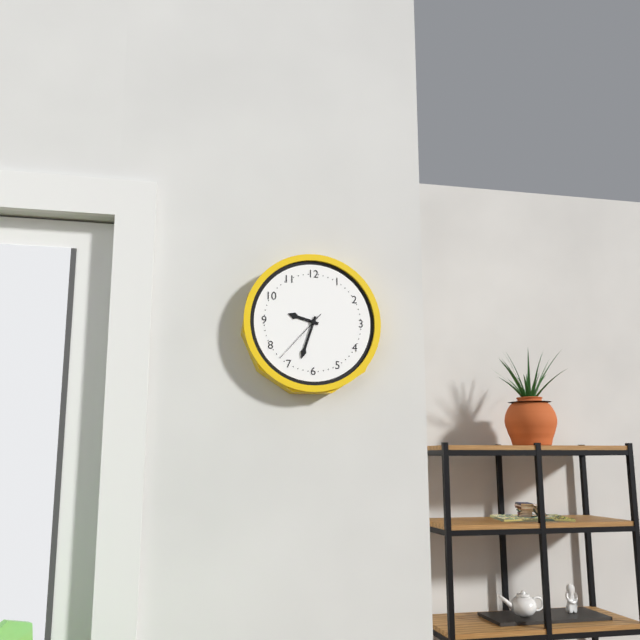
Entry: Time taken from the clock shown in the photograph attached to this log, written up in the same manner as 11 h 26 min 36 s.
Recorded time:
9 h 33 min 37 s
